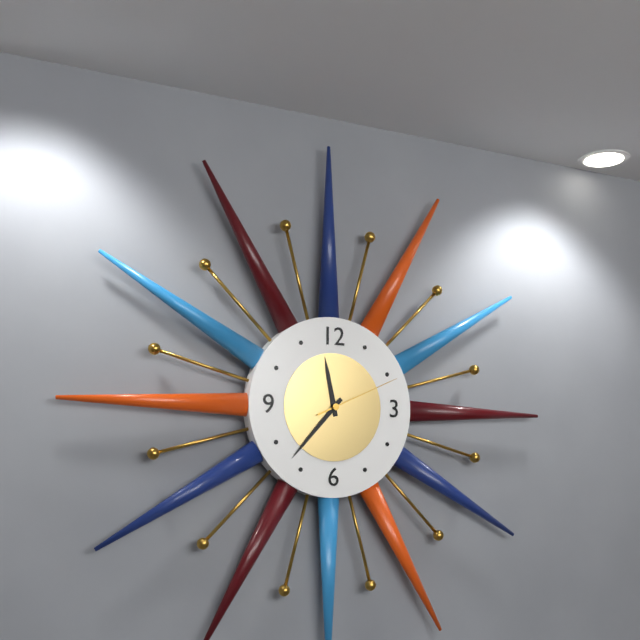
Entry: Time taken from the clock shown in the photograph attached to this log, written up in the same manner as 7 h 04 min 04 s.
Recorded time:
11 h 37 min 11 s
